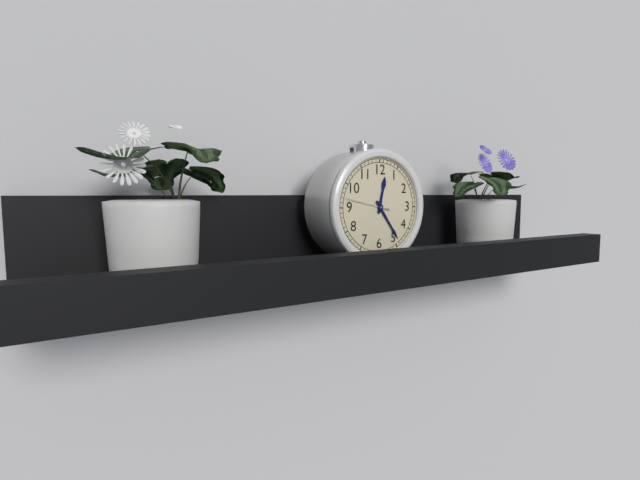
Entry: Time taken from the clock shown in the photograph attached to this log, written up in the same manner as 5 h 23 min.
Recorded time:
12 h 24 min
